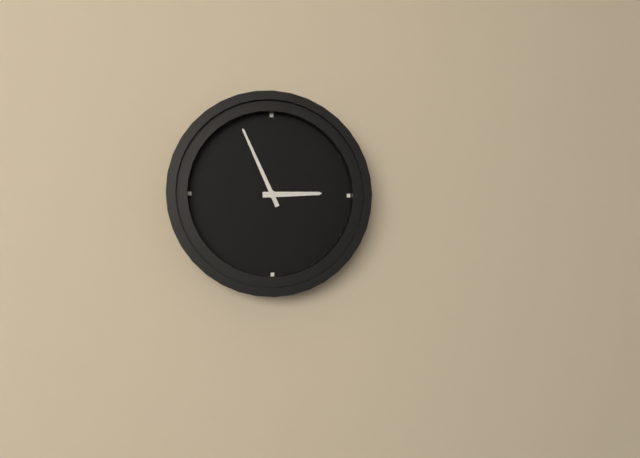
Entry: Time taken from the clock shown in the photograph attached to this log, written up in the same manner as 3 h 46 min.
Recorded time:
2 h 56 min
